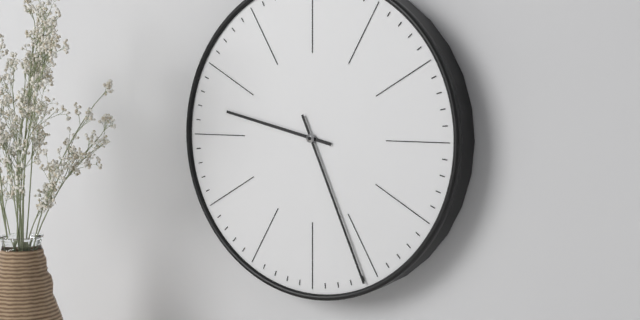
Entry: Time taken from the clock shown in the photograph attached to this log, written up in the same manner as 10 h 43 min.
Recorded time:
9 h 26 min
